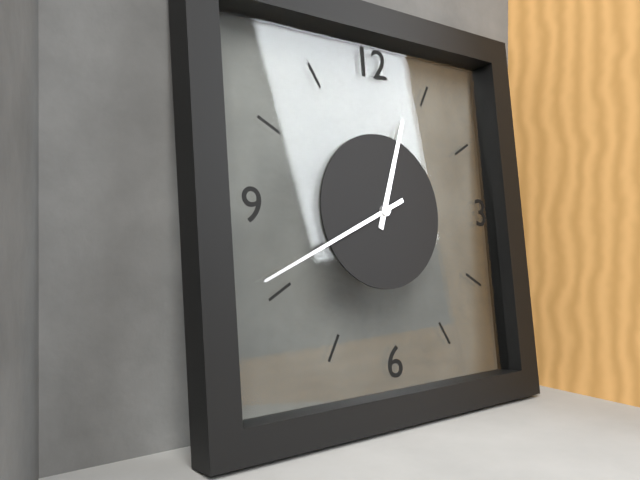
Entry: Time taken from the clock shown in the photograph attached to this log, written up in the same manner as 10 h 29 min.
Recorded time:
12 h 41 min
